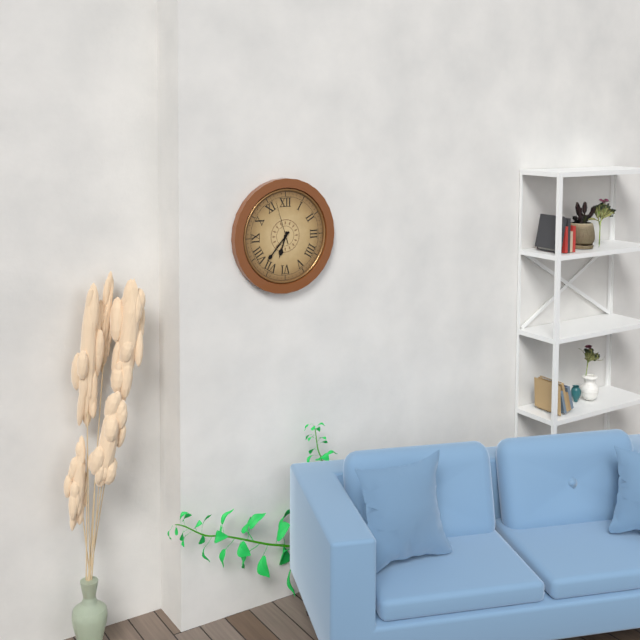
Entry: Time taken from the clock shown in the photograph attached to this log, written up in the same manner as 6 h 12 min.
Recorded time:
6 h 37 min
